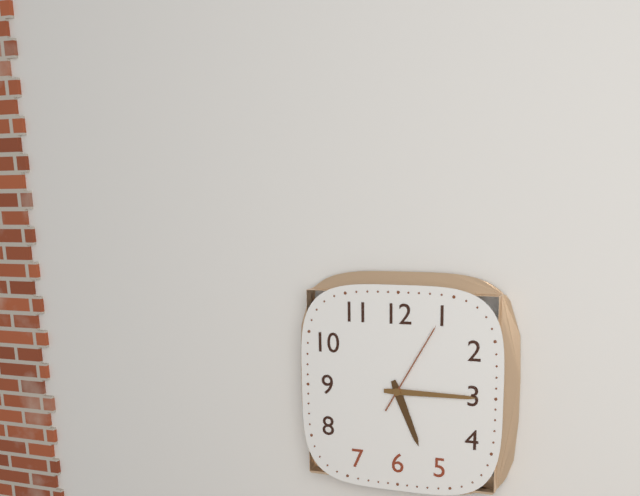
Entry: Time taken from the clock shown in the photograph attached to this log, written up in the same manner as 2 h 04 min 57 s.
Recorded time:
5 h 15 min 05 s
